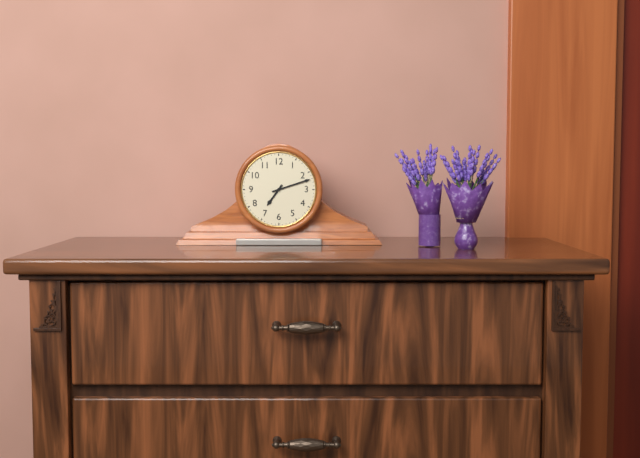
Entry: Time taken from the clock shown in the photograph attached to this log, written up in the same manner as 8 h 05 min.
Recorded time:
7 h 12 min
